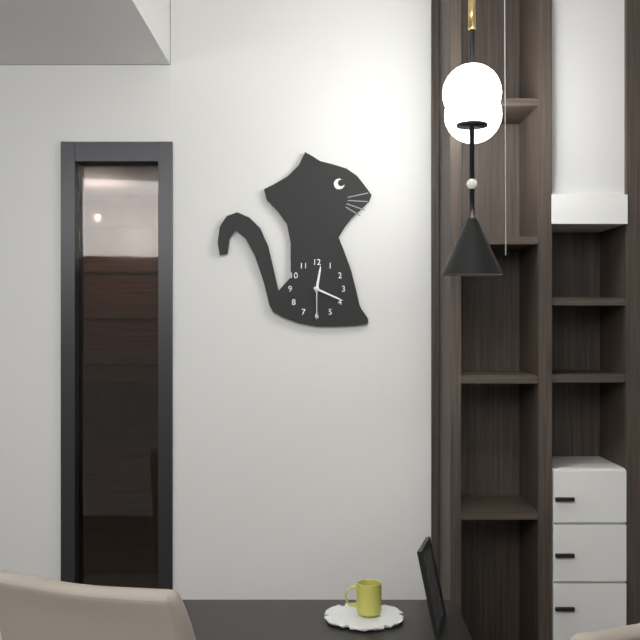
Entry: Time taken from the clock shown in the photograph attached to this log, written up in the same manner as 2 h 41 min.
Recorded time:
12 h 19 min
